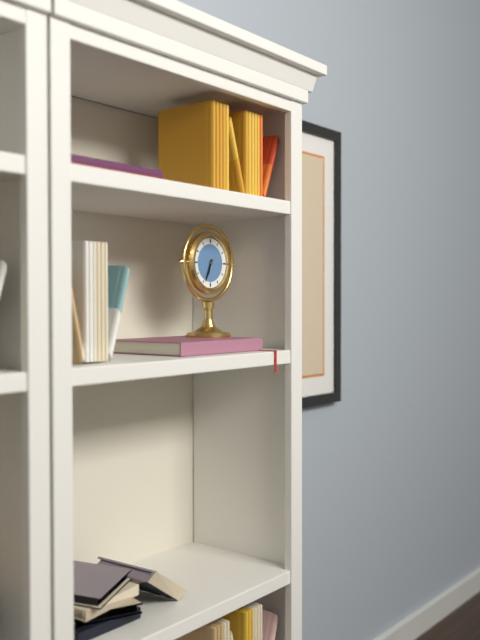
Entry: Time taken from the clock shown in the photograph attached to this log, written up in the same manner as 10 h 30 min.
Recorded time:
6 h 34 min
